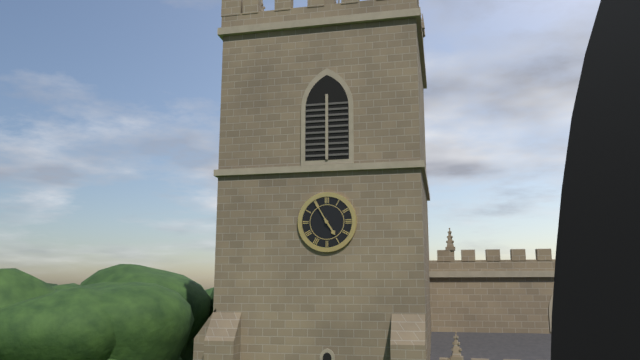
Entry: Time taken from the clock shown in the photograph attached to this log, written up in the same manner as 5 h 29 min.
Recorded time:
4 h 55 min
